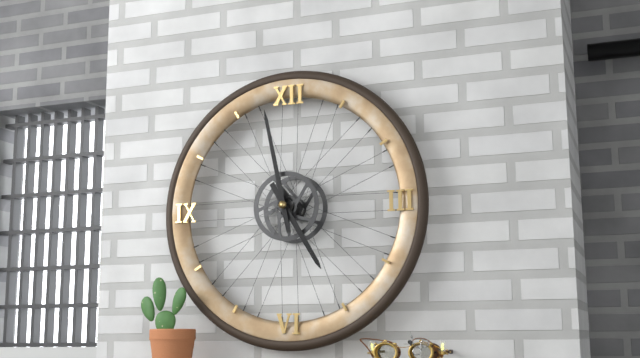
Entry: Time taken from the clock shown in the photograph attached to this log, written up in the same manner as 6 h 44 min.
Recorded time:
4 h 58 min
